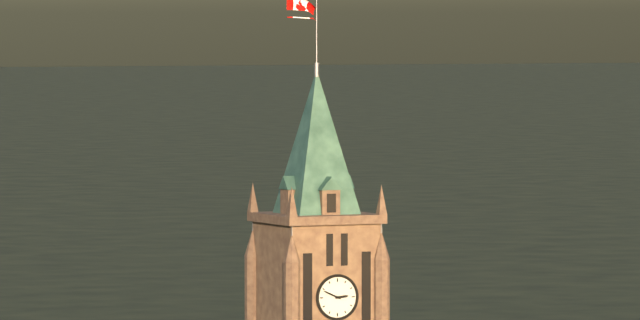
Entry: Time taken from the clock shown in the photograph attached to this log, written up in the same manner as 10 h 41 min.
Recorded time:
2 h 49 min
